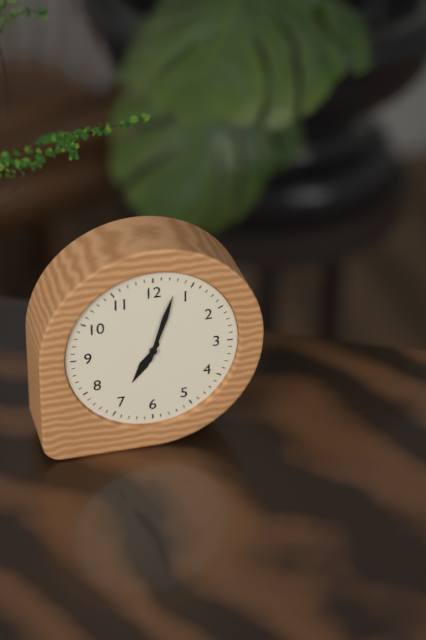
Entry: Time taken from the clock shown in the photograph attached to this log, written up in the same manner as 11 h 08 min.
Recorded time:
7 h 03 min
